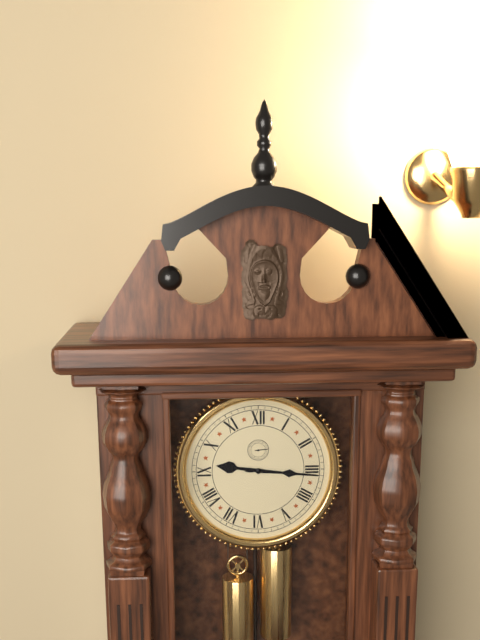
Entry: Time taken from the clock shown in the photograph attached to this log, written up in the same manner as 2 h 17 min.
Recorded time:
9 h 16 min
